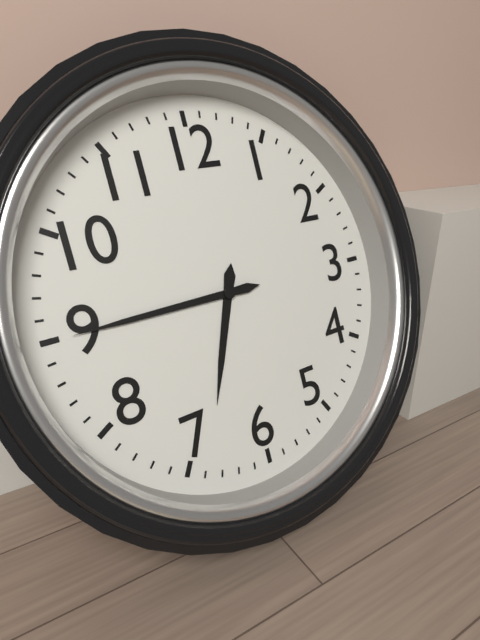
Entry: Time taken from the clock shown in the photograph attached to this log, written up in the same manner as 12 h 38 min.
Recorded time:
6 h 45 min
